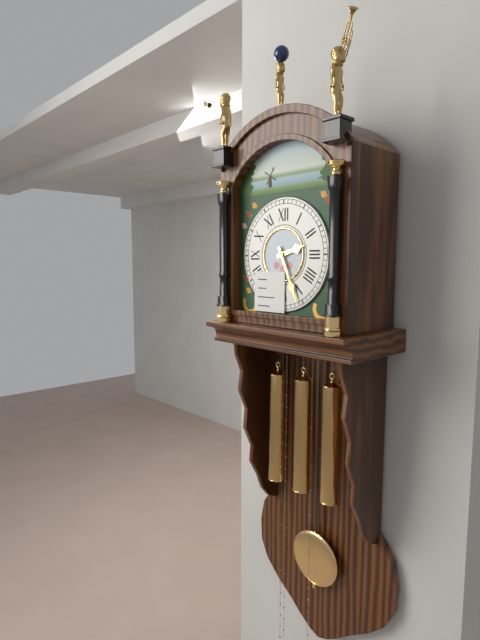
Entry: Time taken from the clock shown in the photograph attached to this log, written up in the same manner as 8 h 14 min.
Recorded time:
2 h 26 min
